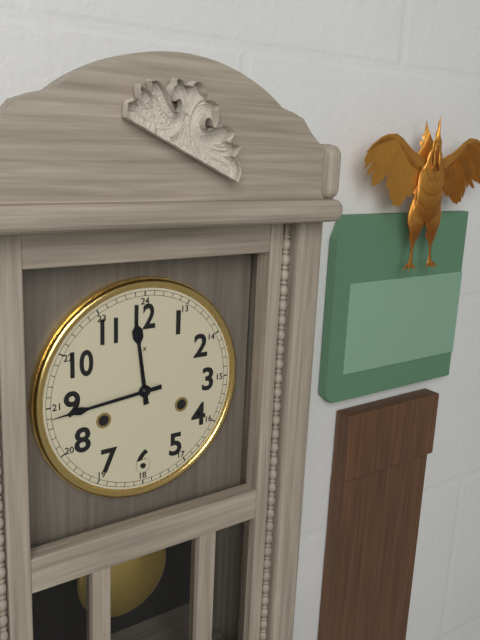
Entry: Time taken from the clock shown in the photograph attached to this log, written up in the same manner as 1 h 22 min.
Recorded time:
11 h 44 min
